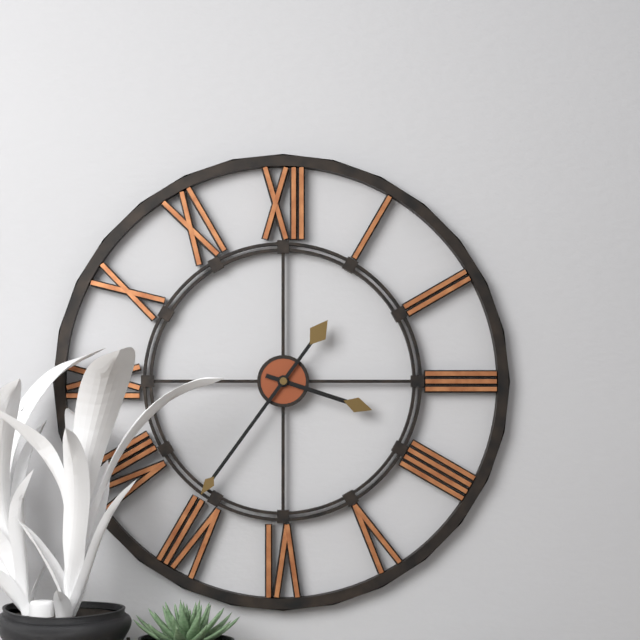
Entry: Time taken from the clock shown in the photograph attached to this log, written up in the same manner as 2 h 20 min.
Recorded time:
3 h 36 min
